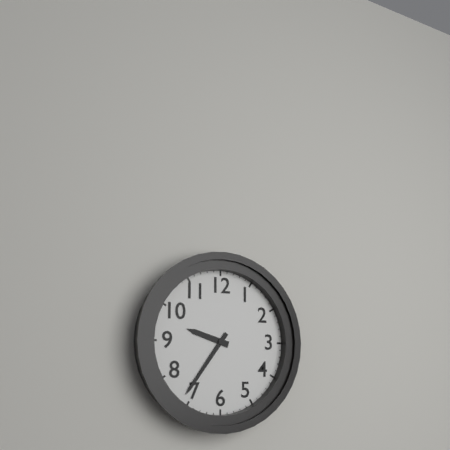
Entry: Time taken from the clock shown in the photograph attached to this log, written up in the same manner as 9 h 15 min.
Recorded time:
9 h 36 min
